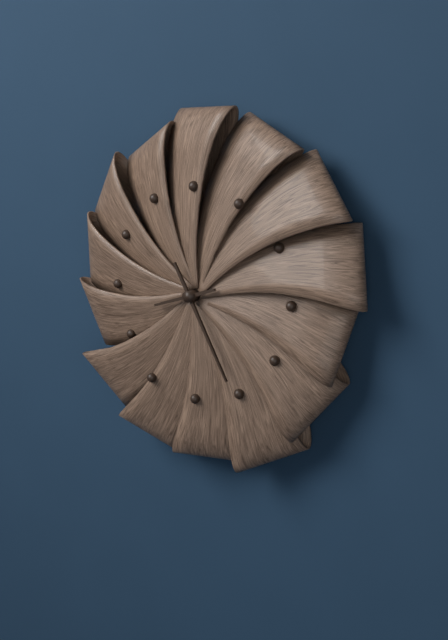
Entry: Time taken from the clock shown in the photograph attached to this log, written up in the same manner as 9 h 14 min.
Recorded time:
8 h 25 min
